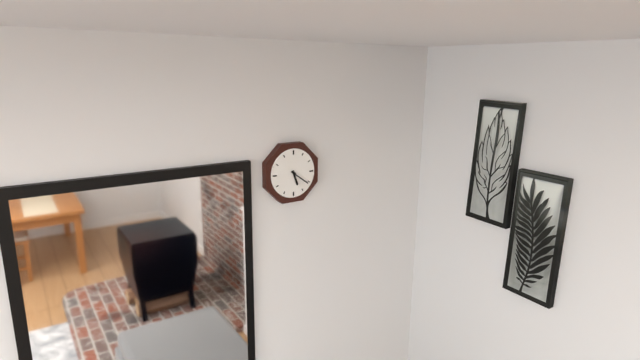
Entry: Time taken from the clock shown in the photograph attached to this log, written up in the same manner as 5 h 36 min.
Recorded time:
5 h 21 min
